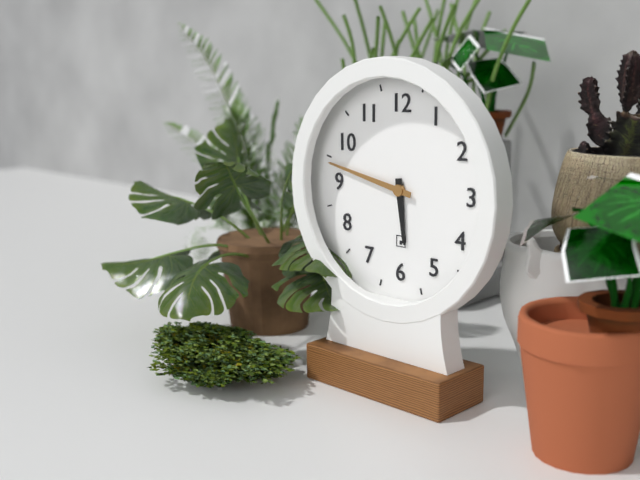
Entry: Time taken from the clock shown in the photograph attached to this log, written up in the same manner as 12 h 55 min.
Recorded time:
5 h 47 min
